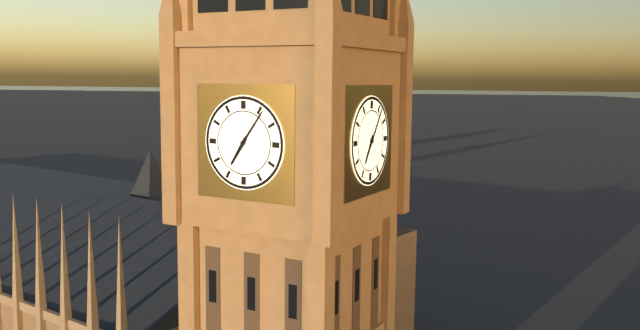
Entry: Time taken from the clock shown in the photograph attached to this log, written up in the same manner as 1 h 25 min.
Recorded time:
7 h 06 min
